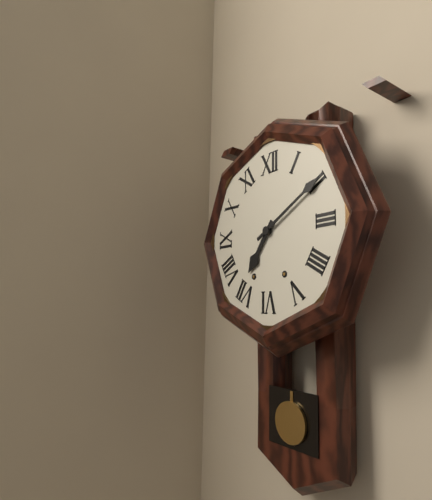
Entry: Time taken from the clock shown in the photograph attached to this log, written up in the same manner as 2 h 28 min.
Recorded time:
7 h 10 min
